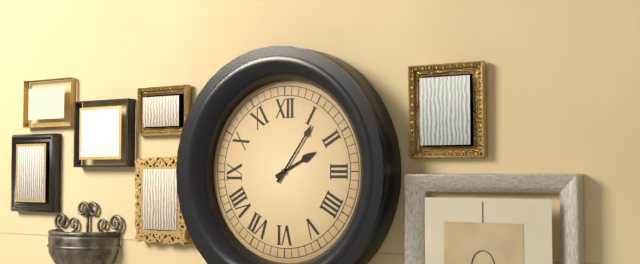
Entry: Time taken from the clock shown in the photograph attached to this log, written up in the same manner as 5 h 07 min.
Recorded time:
2 h 06 min
